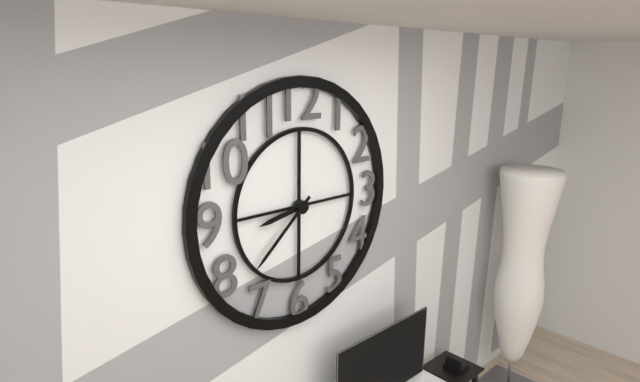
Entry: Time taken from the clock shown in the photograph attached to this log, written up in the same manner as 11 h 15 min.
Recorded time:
8 h 38 min
